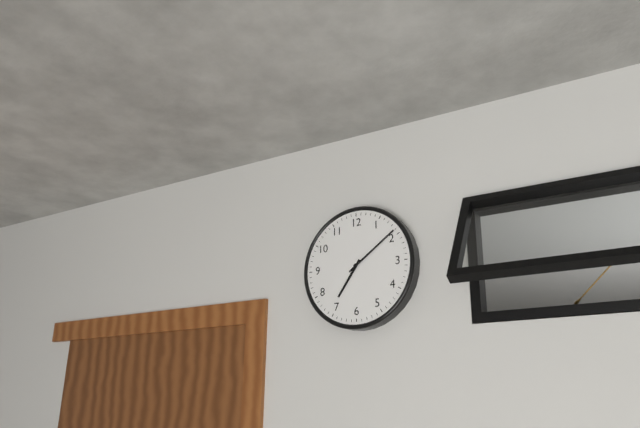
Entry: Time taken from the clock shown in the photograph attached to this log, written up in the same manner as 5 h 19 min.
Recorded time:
7 h 09 min
